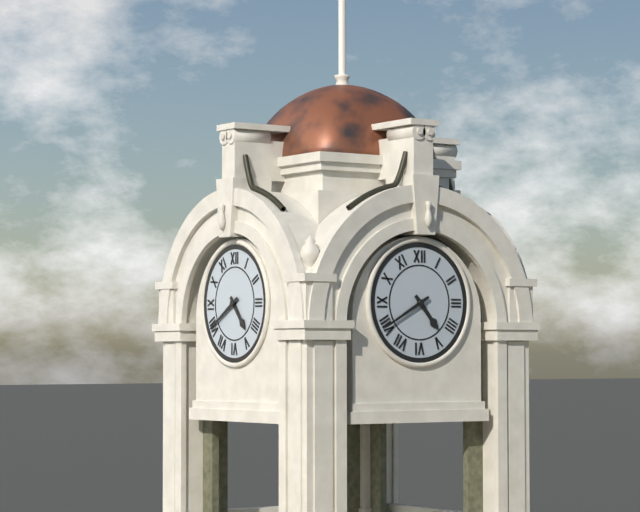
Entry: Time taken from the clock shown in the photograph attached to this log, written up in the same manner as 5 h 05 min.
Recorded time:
4 h 40 min
